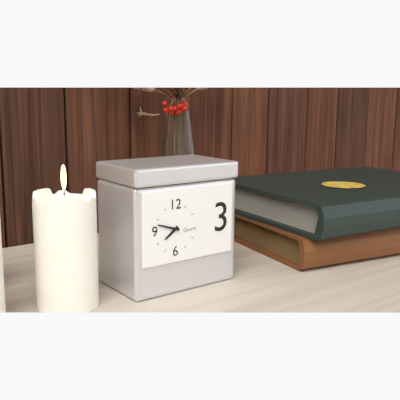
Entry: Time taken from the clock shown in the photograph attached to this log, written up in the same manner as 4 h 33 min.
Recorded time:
7 h 48 min
